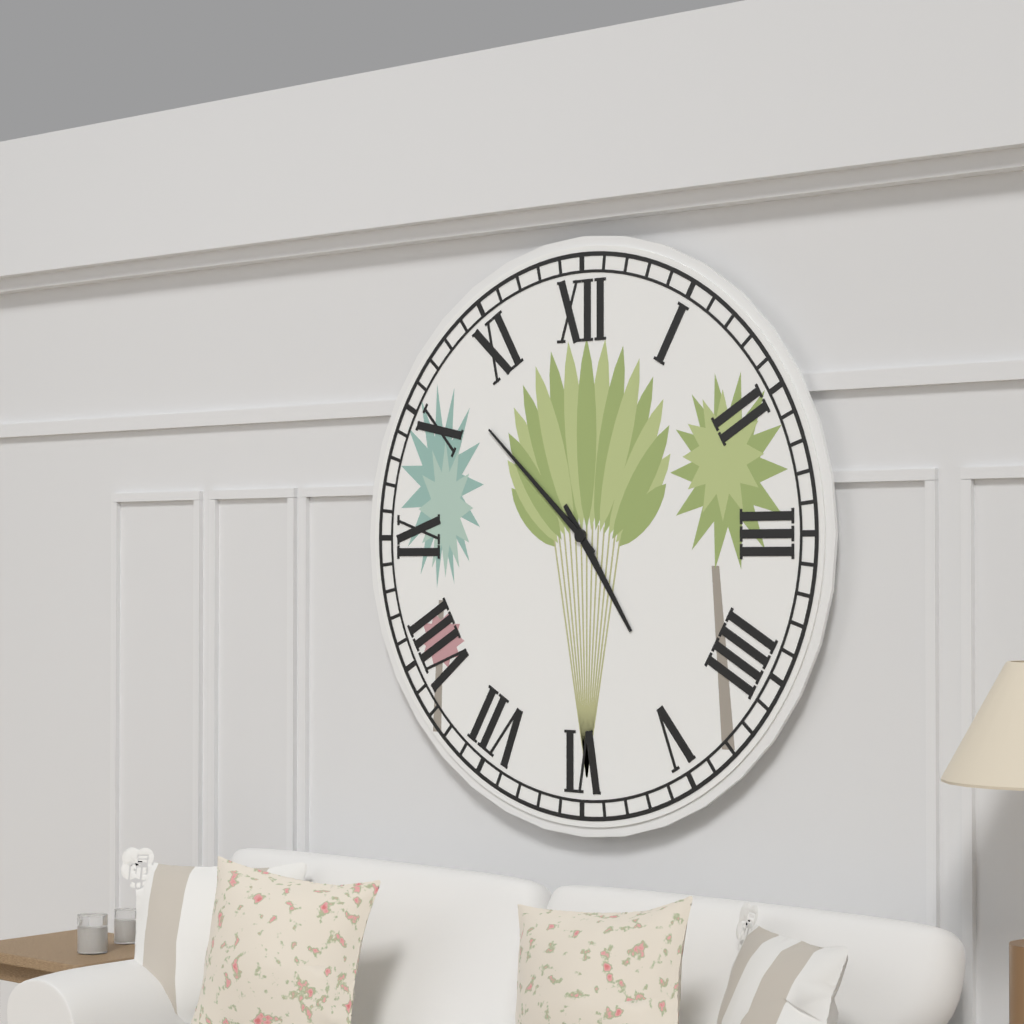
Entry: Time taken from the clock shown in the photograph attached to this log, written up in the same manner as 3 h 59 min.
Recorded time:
4 h 52 min
